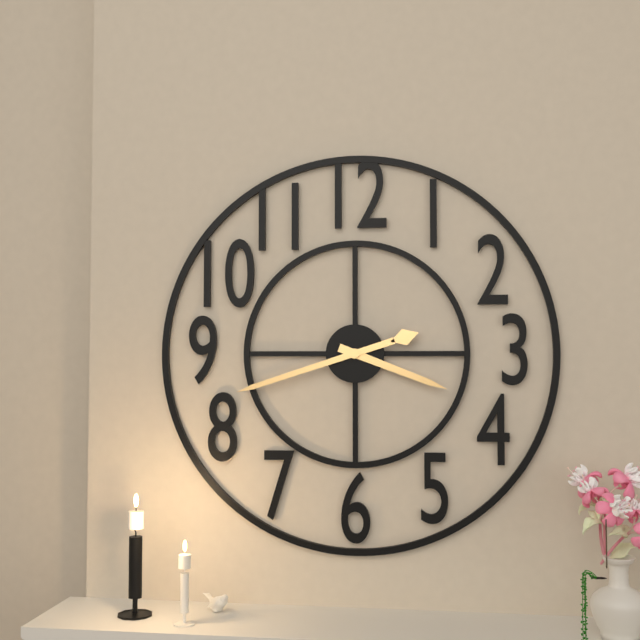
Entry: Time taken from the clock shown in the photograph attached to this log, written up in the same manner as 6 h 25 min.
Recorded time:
3 h 42 min
